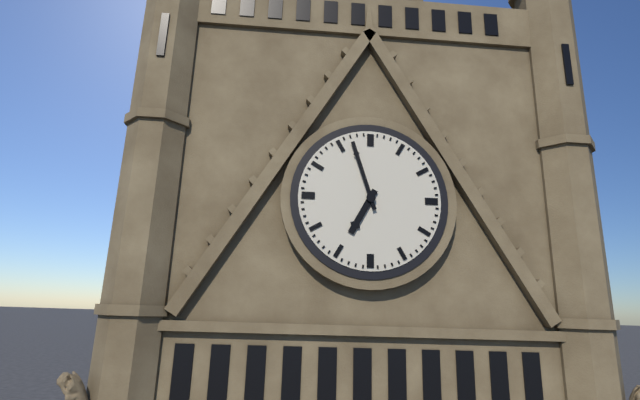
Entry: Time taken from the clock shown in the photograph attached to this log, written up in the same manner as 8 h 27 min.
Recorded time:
6 h 57 min
